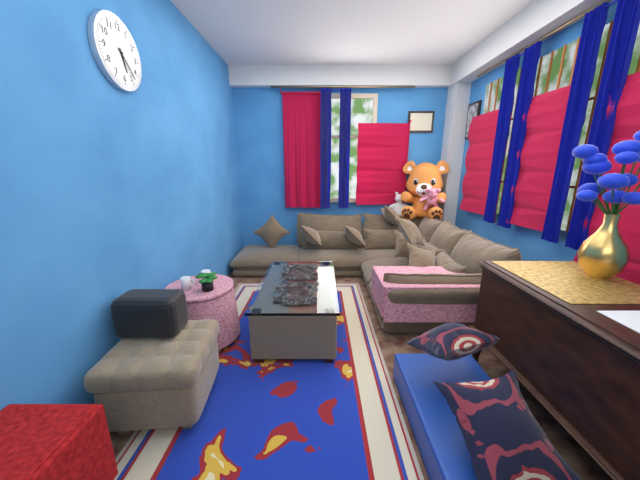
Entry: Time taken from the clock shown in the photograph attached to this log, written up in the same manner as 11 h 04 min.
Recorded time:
5 h 23 min
